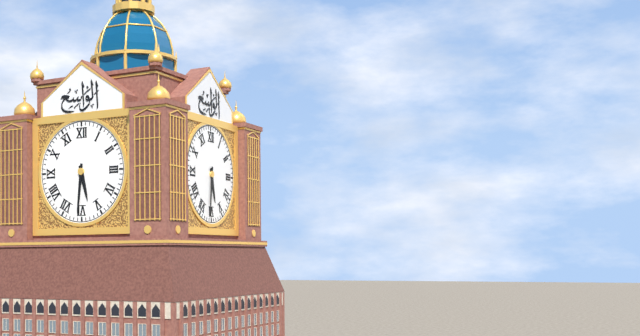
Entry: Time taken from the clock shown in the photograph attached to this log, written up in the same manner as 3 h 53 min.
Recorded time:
5 h 31 min
